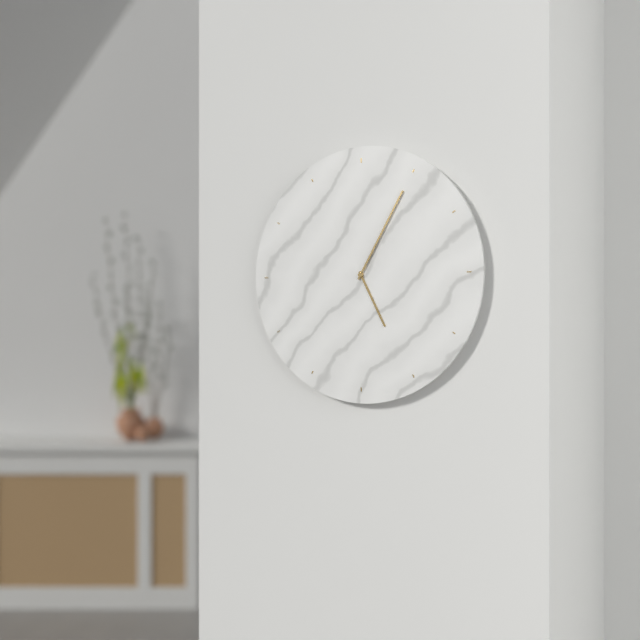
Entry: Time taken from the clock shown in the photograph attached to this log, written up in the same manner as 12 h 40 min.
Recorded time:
5 h 05 min
